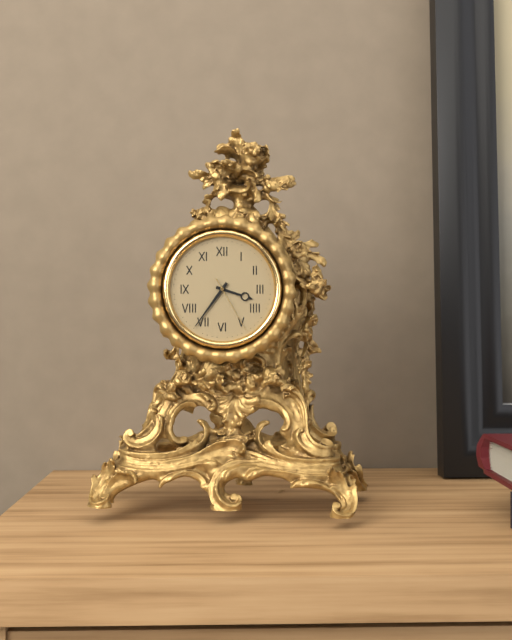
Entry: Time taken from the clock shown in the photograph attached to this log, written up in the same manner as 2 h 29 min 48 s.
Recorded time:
3 h 36 min 25 s
